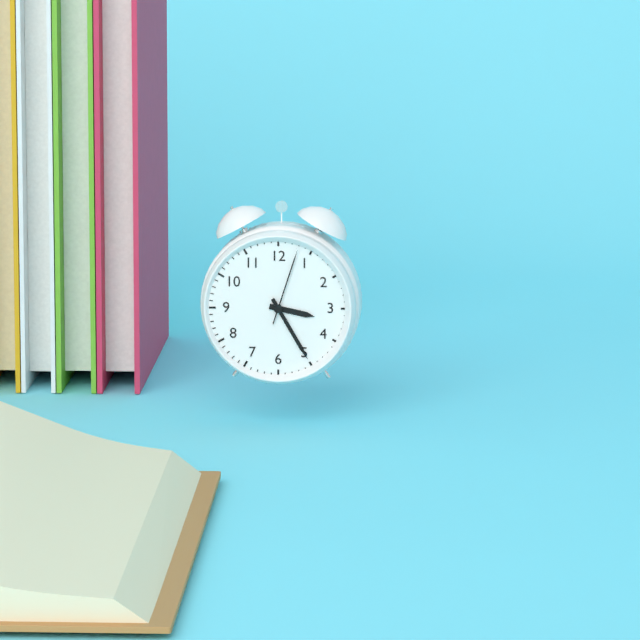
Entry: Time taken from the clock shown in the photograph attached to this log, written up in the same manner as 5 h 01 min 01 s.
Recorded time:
3 h 25 min 03 s
